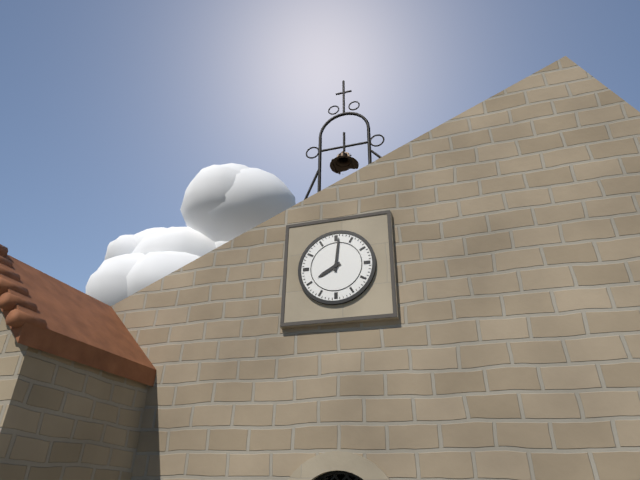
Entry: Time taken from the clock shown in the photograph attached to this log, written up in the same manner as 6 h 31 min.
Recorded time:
8 h 01 min
